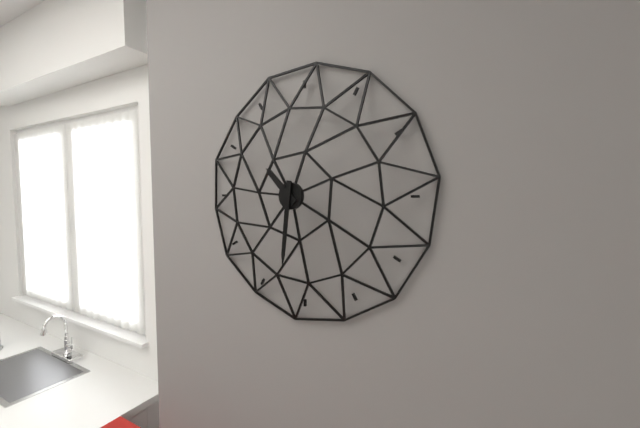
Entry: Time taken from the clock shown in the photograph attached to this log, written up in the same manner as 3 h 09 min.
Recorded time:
10 h 31 min
